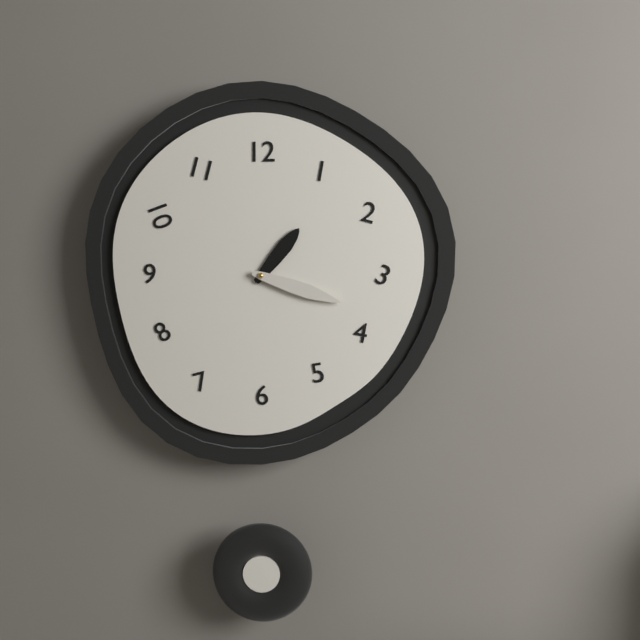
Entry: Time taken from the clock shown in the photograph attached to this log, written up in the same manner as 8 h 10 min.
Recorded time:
1 h 18 min
